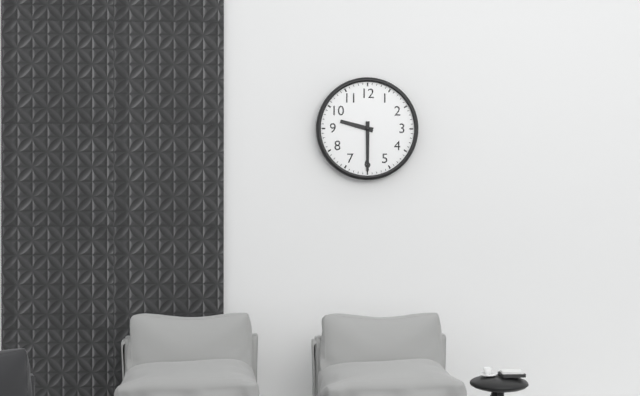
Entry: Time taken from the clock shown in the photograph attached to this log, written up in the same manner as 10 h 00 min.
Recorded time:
9 h 30 min
